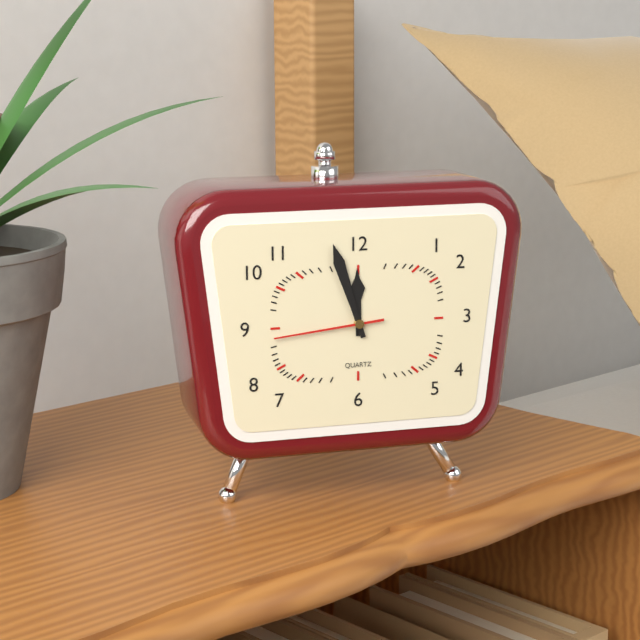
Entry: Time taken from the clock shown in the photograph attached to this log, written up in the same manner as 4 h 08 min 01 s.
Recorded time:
11 h 57 min 44 s
